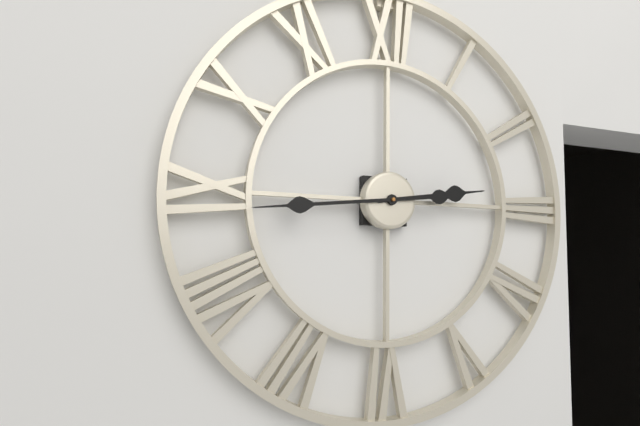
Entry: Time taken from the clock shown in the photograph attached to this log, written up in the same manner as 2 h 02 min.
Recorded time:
2 h 44 min
